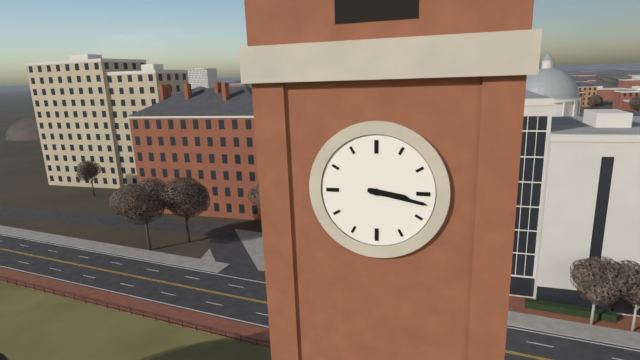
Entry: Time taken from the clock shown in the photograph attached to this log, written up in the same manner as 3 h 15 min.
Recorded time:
3 h 17 min
